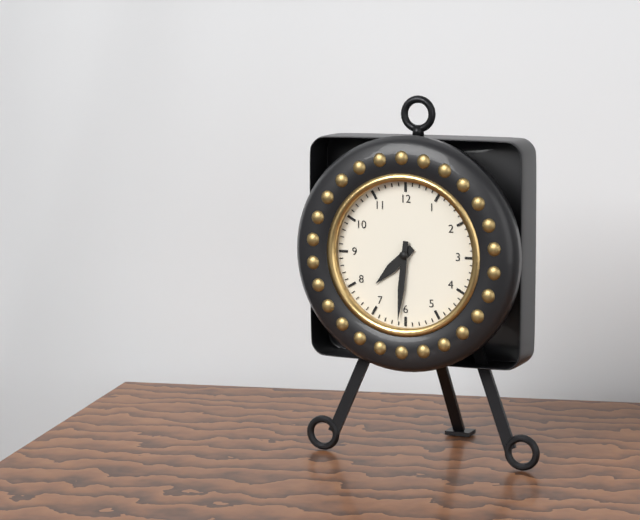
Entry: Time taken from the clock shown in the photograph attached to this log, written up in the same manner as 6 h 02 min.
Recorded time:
7 h 31 min
